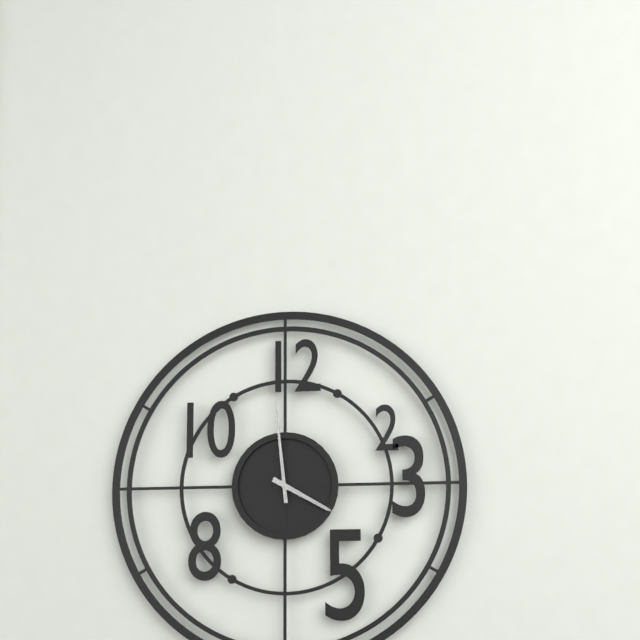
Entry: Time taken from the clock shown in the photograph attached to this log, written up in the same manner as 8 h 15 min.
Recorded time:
3 h 59 min
